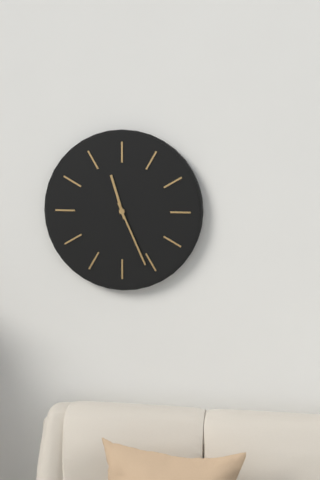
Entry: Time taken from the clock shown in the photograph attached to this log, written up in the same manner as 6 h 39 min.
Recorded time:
11 h 26 min
